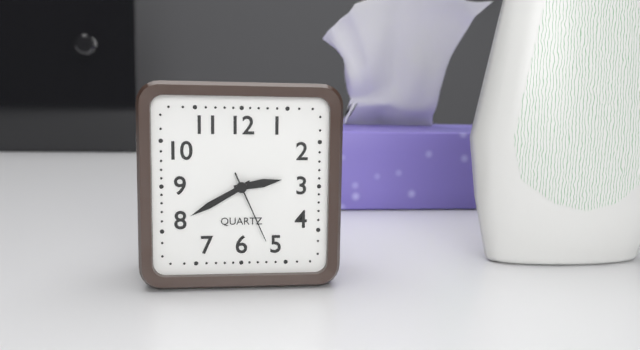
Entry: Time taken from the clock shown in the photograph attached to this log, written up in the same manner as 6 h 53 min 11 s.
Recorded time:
2 h 40 min 26 s
